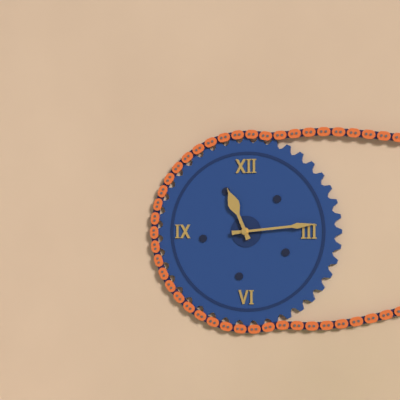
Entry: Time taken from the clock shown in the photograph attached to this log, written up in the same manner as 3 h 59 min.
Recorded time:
11 h 14 min
